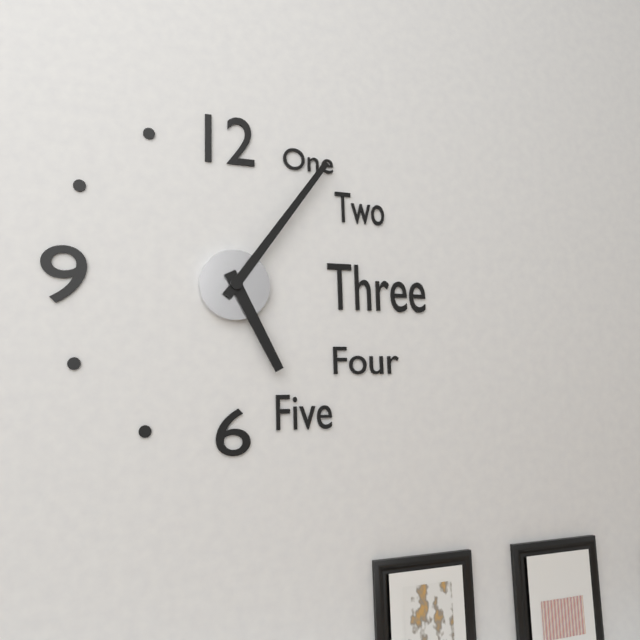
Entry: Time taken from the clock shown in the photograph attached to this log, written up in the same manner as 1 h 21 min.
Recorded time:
5 h 06 min
